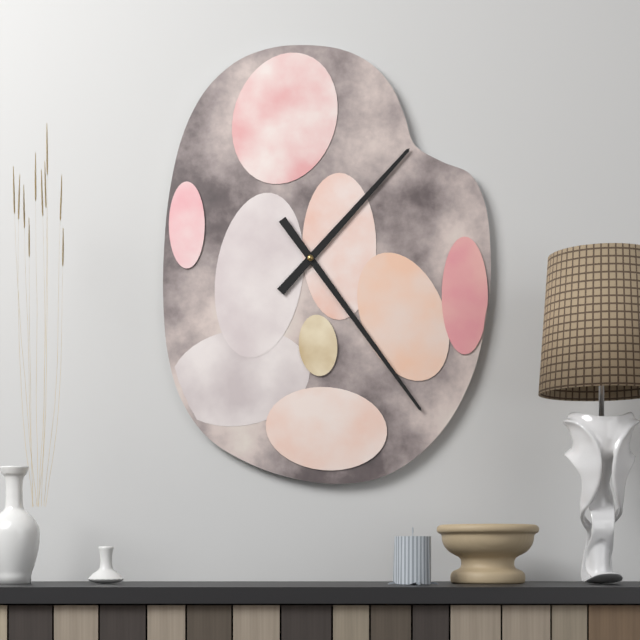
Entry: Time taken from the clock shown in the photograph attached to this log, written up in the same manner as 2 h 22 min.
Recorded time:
1 h 24 min
